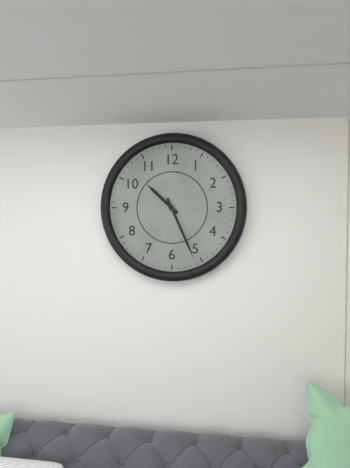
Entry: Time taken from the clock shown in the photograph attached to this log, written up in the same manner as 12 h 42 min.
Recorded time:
10 h 26 min
